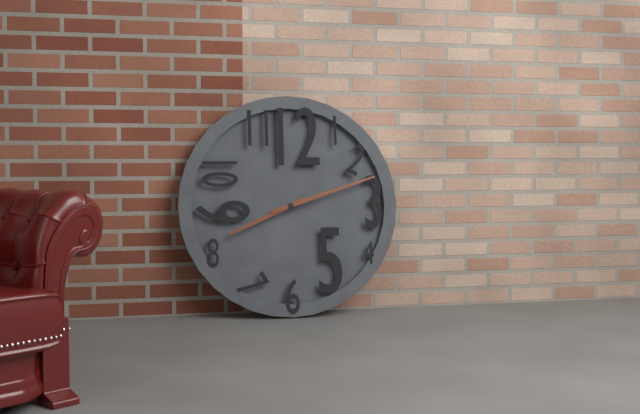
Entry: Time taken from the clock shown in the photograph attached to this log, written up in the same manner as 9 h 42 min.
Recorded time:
8 h 12 min
